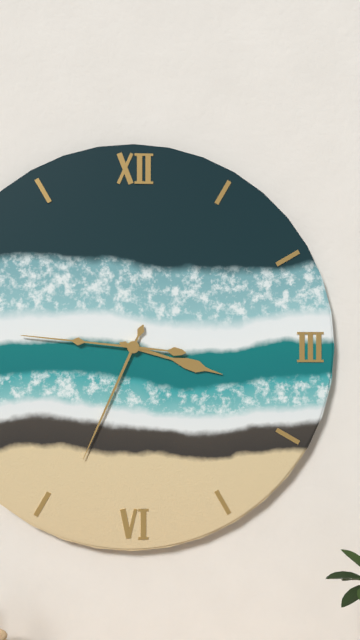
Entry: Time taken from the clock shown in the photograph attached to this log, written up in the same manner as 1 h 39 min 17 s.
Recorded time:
3 h 34 min 46 s
